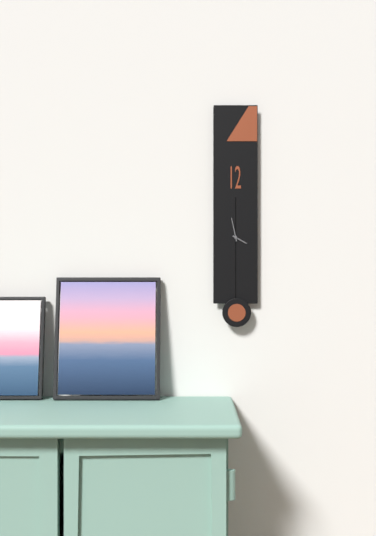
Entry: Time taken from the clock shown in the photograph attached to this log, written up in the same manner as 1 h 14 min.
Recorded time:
3 h 58 min
